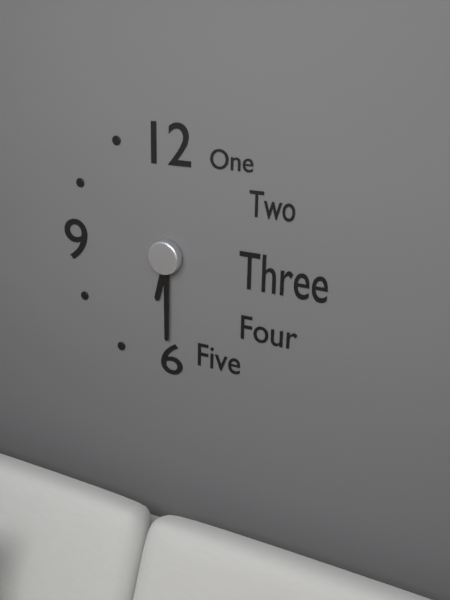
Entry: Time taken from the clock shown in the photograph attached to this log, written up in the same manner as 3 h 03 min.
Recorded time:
6 h 30 min
